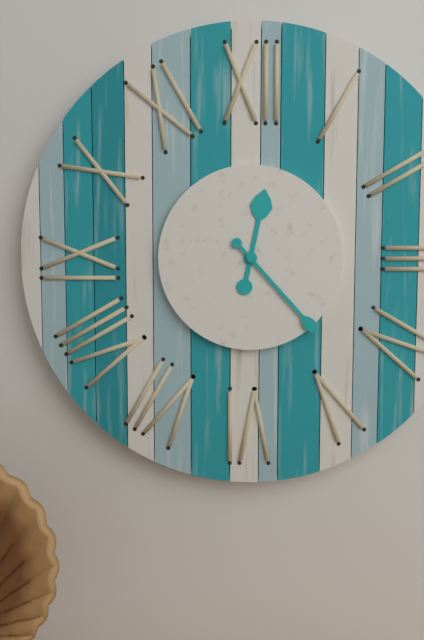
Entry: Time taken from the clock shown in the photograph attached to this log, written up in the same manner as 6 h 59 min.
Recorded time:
12 h 23 min
